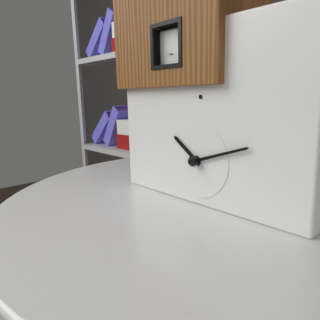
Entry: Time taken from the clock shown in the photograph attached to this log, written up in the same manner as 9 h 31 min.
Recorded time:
10 h 12 min
